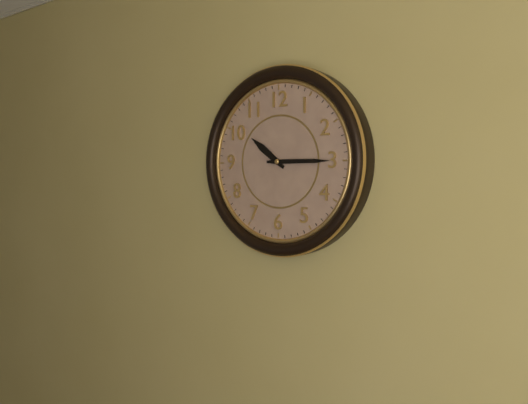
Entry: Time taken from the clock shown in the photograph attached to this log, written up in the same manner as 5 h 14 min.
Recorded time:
10 h 15 min
